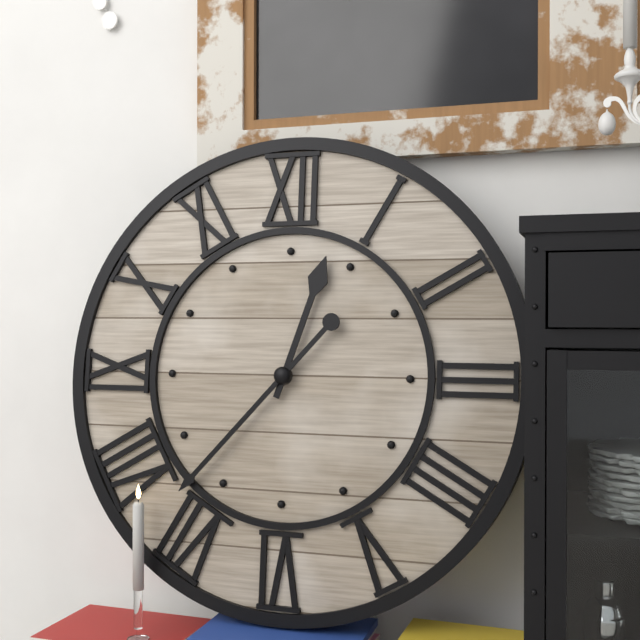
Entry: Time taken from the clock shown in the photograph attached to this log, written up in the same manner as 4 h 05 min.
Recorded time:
12 h 37 min
